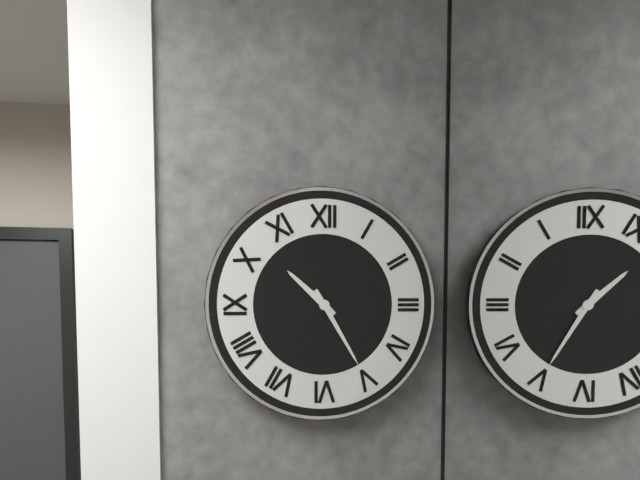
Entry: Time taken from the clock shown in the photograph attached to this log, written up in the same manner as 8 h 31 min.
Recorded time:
10 h 25 min
